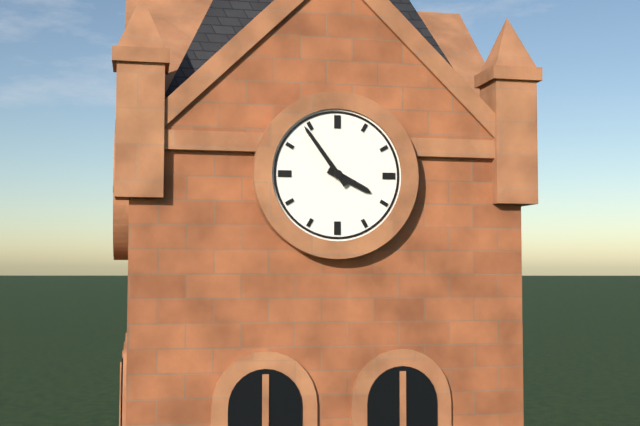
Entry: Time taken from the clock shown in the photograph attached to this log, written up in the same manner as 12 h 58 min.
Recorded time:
3 h 54 min
